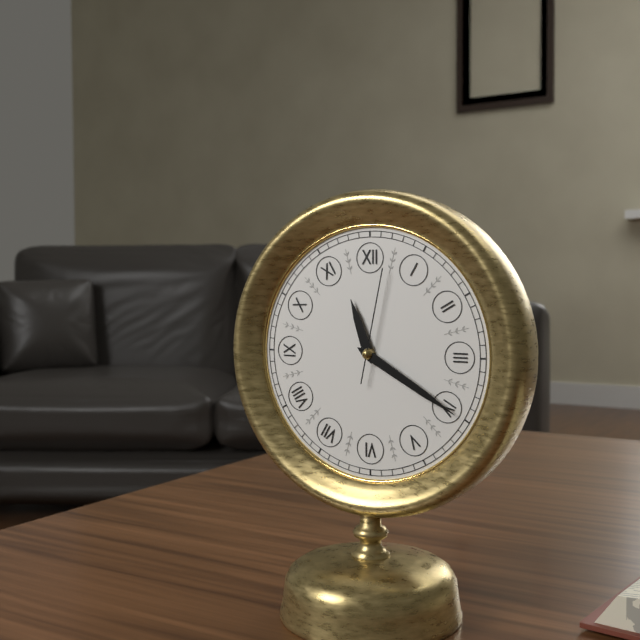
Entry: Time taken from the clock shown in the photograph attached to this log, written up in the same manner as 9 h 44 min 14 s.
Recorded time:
11 h 20 min 02 s
